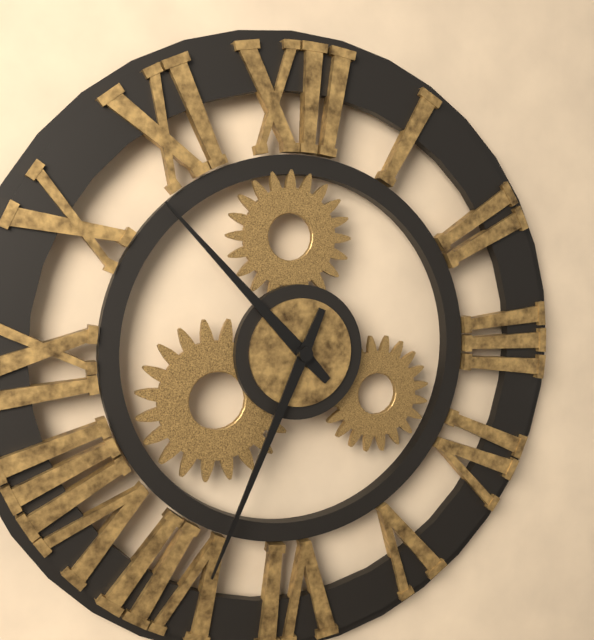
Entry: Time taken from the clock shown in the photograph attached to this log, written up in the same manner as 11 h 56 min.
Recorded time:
10 h 34 min
